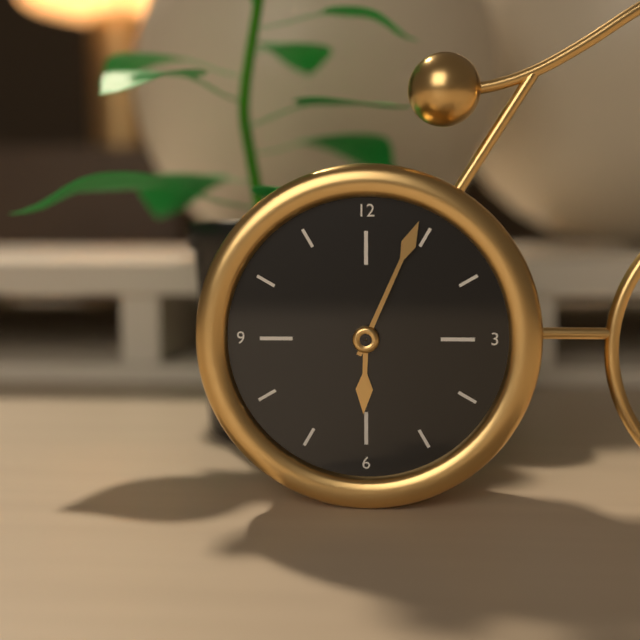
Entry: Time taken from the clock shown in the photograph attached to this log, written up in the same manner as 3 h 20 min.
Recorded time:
6 h 04 min
